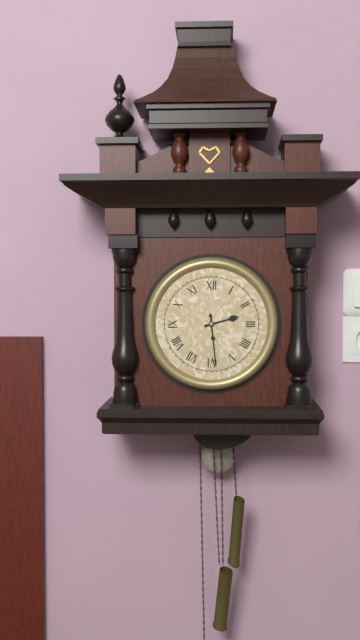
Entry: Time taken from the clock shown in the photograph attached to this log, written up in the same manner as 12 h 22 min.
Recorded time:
2 h 29 min
